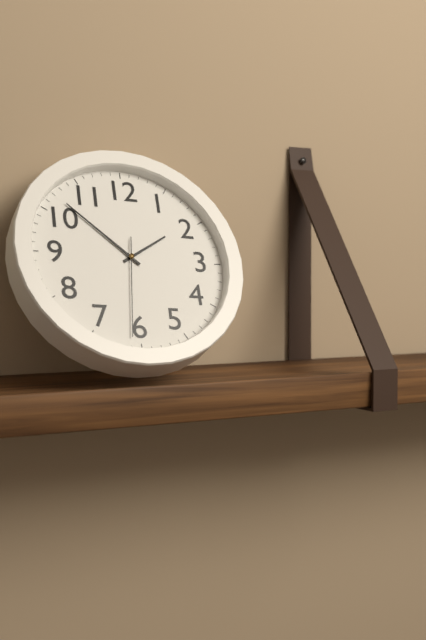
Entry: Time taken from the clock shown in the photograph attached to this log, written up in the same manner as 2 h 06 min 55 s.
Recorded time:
1 h 52 min 31 s
